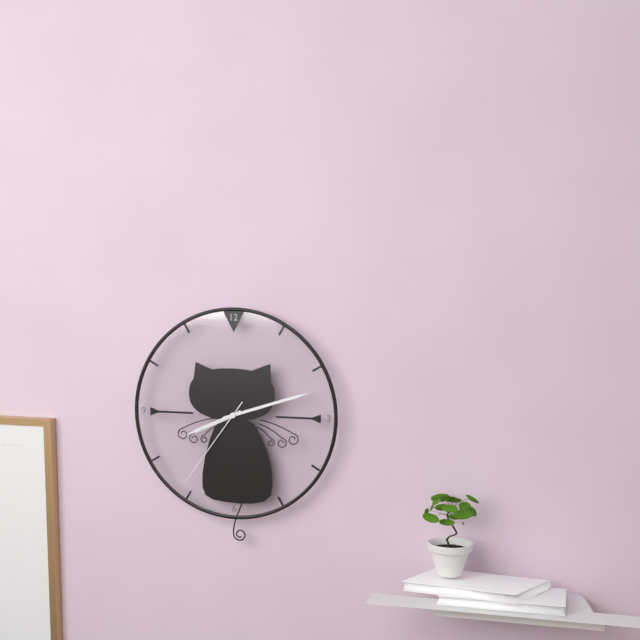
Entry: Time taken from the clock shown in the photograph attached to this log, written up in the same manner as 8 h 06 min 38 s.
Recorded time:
8 h 12 min 36 s
